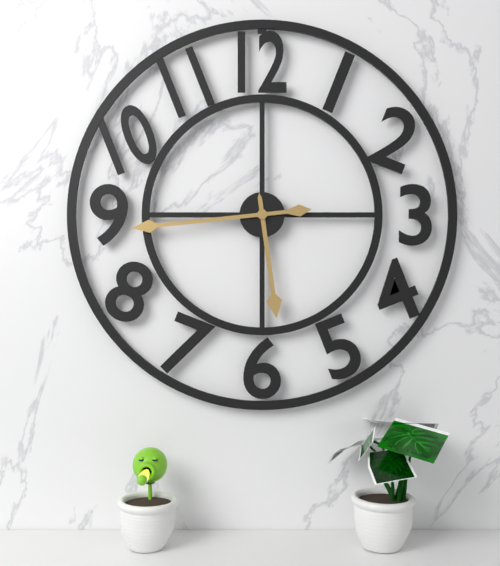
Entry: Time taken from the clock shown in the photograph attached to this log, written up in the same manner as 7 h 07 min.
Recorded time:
5 h 44 min
